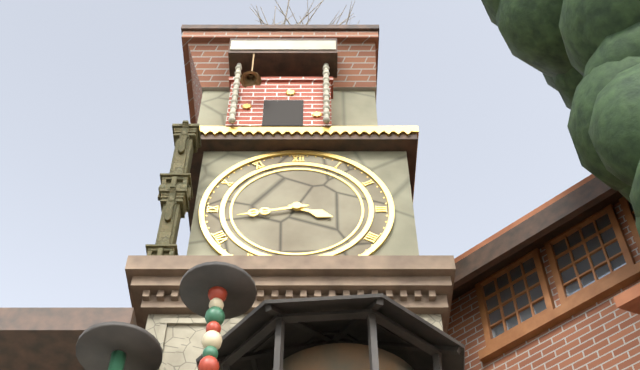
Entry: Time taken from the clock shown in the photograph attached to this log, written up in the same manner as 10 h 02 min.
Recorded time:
3 h 43 min
